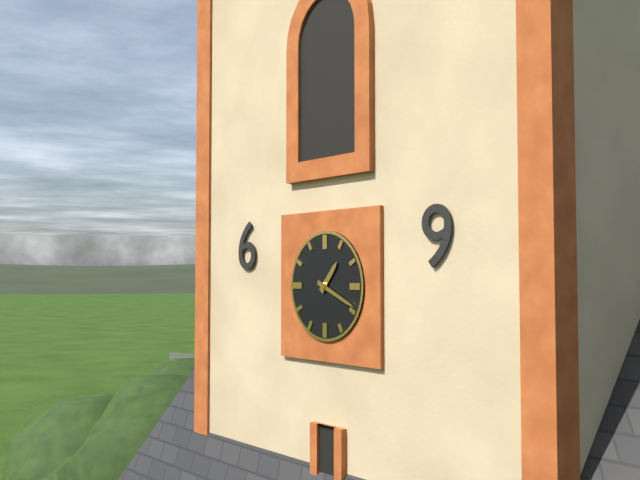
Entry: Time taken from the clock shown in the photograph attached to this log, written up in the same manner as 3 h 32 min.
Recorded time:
1 h 19 min
